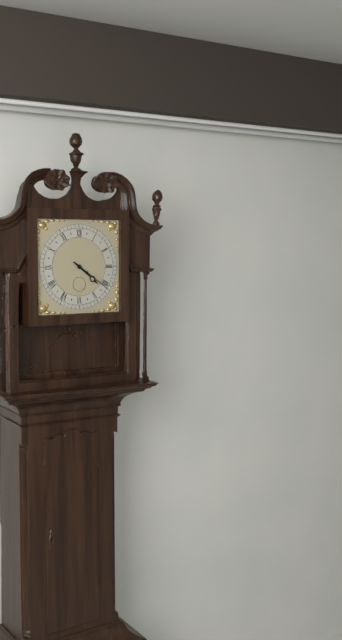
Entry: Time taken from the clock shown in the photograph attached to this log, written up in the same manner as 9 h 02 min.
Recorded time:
4 h 21 min
